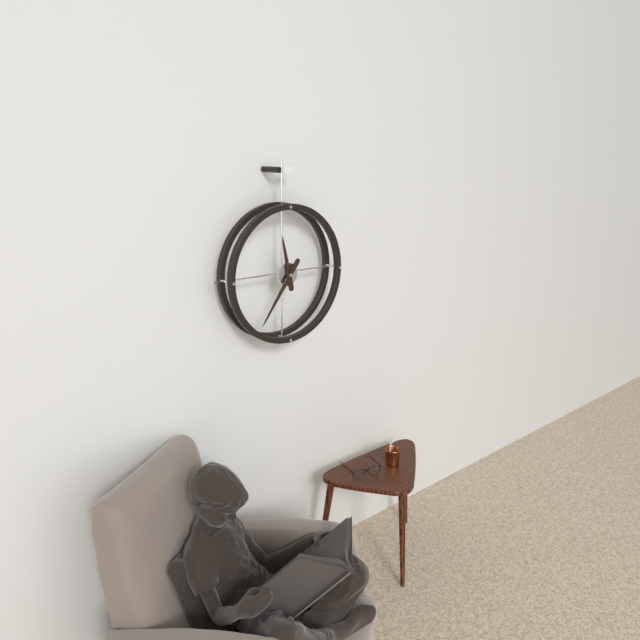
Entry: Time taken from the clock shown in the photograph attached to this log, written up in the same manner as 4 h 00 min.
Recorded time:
11 h 36 min
